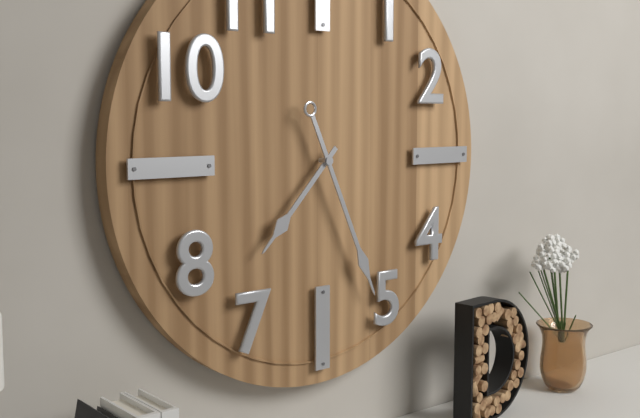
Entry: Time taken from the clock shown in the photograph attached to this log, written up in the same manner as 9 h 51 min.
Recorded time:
7 h 26 min
